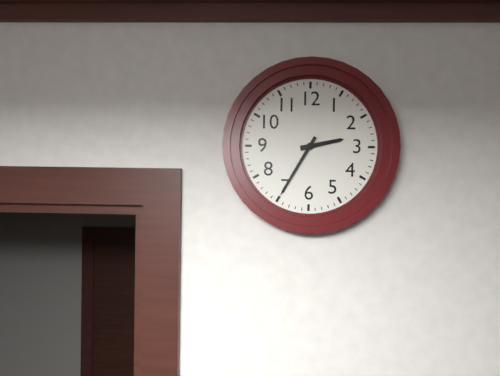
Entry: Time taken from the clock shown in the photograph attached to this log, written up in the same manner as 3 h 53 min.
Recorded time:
2 h 35 min
